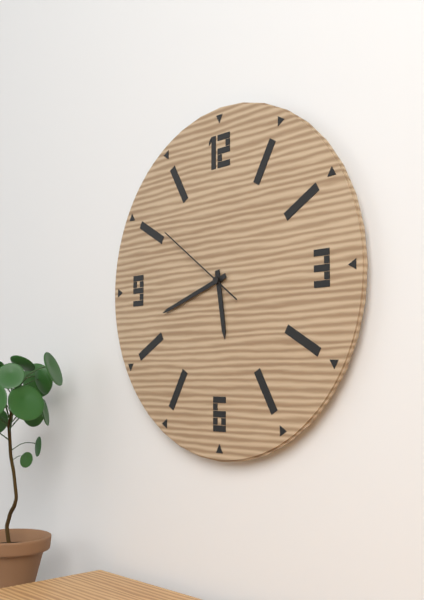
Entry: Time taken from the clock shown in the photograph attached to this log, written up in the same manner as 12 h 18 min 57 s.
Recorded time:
5 h 42 min 51 s
